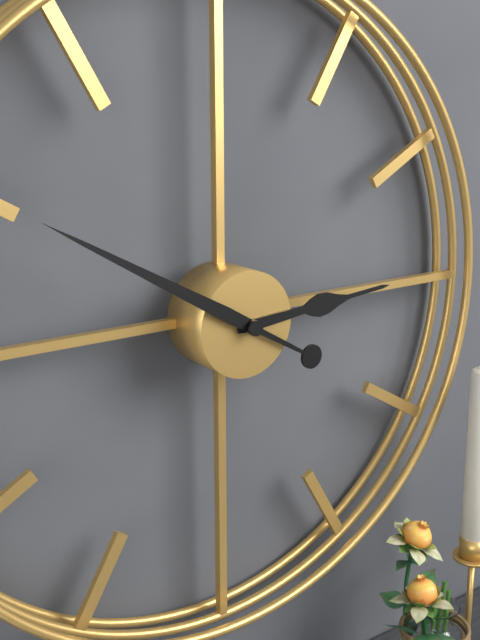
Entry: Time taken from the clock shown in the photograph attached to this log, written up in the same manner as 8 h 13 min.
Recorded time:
2 h 50 min
